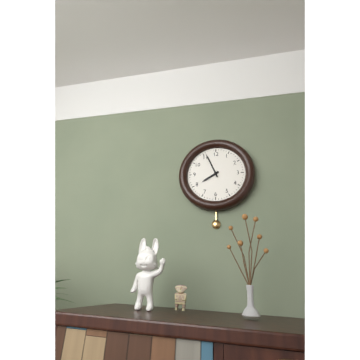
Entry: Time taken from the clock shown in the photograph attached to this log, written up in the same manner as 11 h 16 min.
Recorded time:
7 h 56 min
